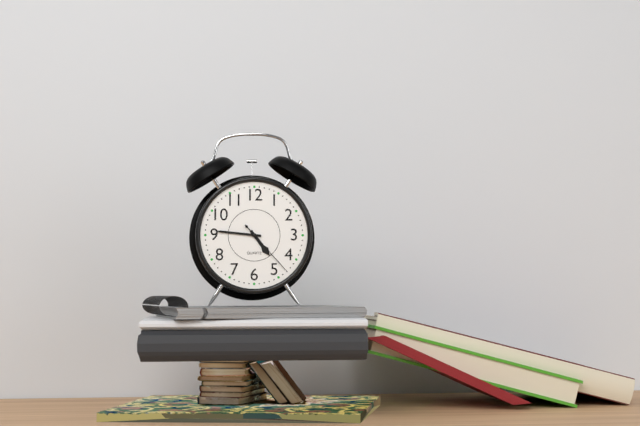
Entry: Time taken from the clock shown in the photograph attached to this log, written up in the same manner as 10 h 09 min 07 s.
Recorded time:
4 h 46 min 23 s
